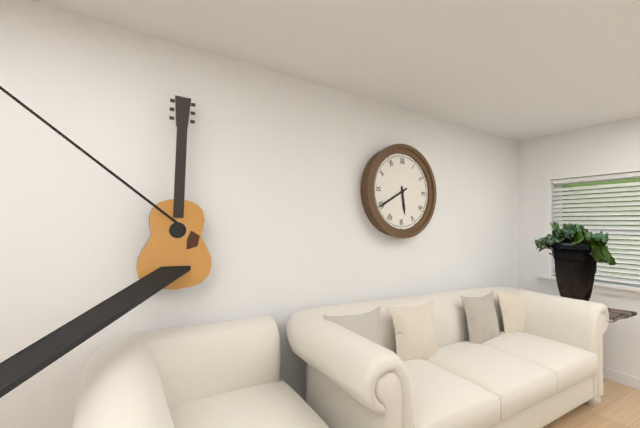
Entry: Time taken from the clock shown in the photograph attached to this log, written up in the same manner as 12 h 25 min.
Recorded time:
5 h 40 min
